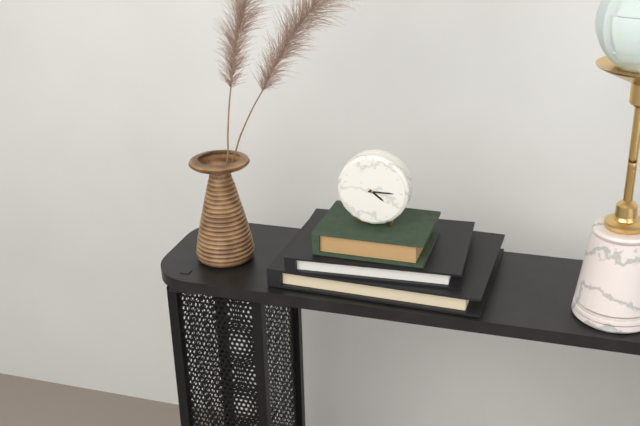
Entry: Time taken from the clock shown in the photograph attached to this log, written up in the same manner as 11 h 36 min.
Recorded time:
4 h 15 min
